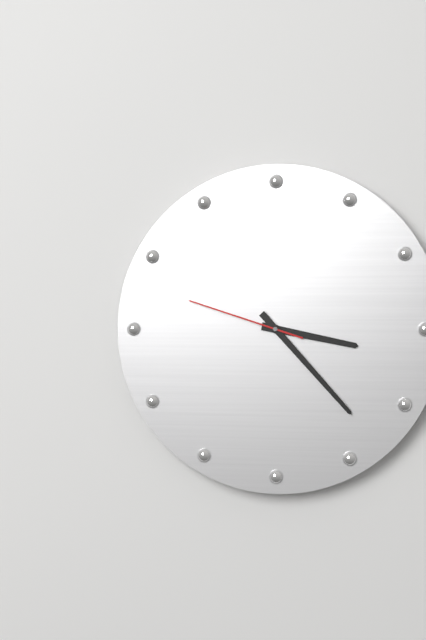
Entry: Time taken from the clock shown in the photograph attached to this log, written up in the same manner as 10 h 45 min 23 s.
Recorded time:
3 h 23 min 48 s
